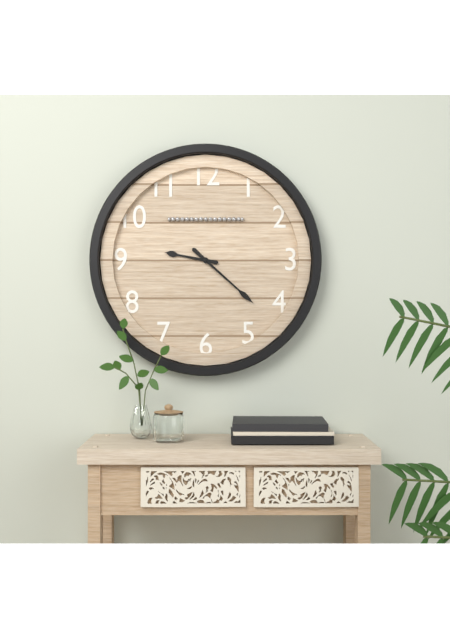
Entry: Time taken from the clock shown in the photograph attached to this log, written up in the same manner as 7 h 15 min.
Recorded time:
9 h 22 min
